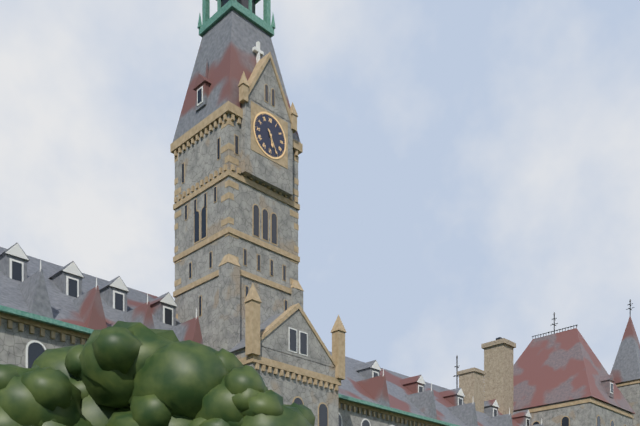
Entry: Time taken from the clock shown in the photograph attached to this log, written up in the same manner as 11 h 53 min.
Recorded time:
5 h 25 min
